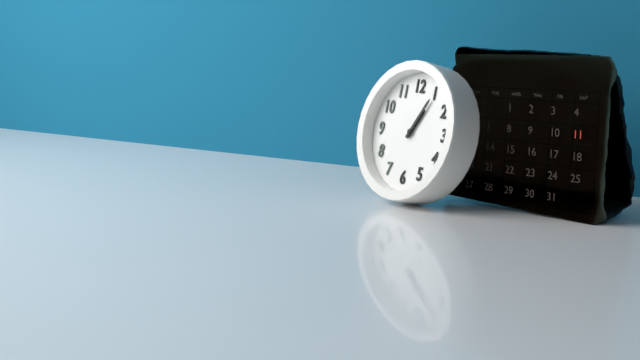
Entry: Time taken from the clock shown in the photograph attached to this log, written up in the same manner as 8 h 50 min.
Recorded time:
1 h 05 min
